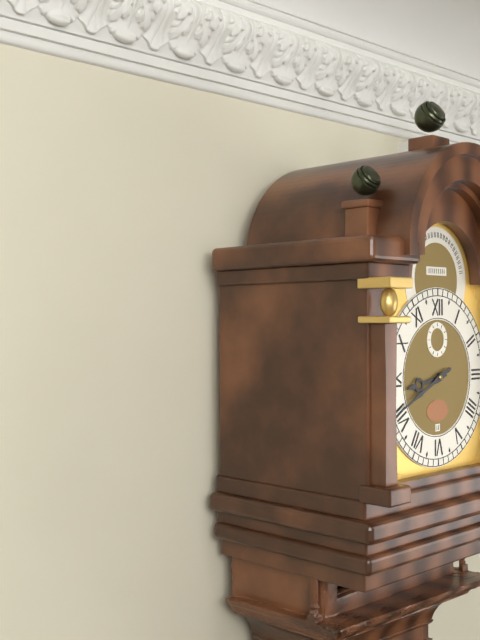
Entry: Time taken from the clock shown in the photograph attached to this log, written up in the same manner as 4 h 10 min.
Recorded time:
8 h 41 min
